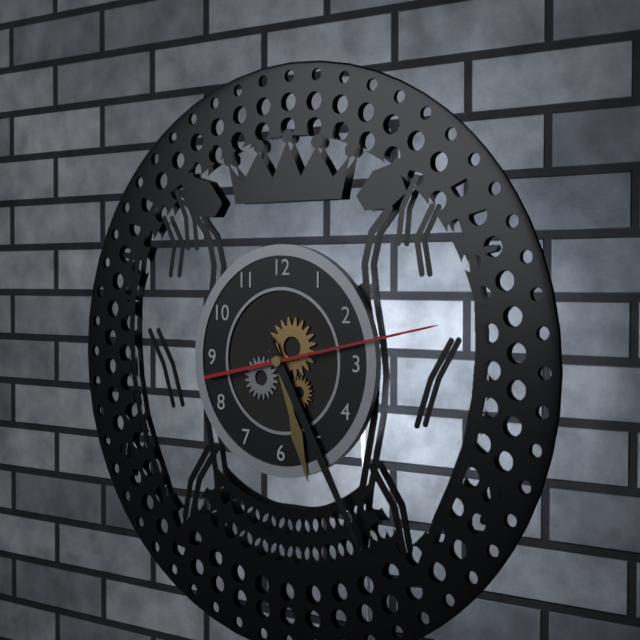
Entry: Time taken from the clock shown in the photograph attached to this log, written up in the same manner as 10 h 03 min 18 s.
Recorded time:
5 h 25 min 13 s
